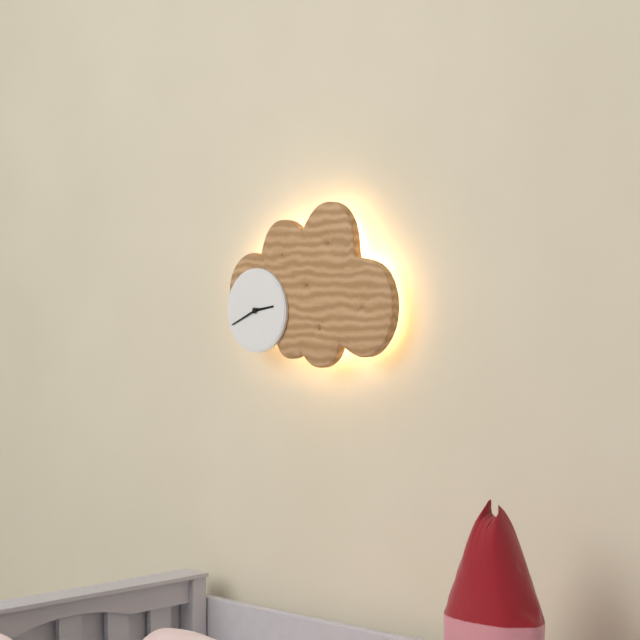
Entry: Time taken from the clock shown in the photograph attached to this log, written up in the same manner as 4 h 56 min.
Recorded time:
2 h 41 min
